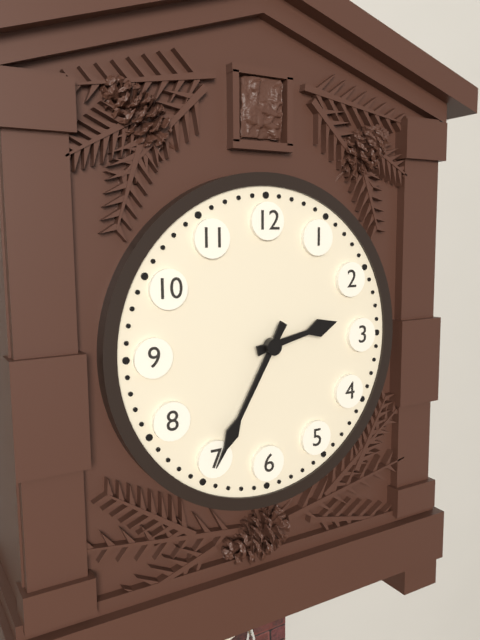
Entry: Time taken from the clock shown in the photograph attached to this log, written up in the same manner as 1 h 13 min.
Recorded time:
2 h 35 min
